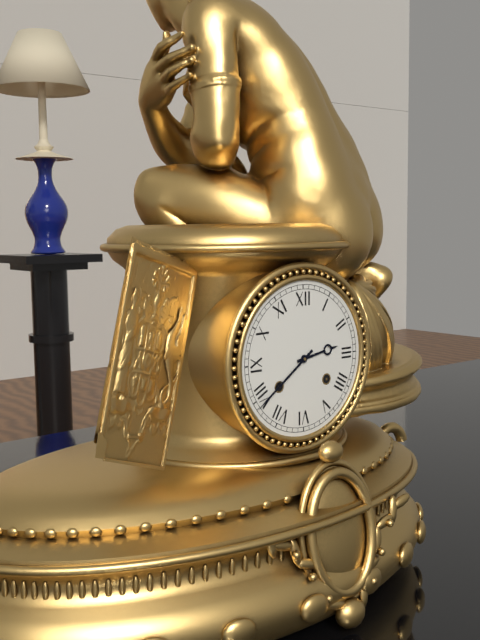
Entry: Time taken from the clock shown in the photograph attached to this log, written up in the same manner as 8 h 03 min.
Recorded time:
2 h 39 min
